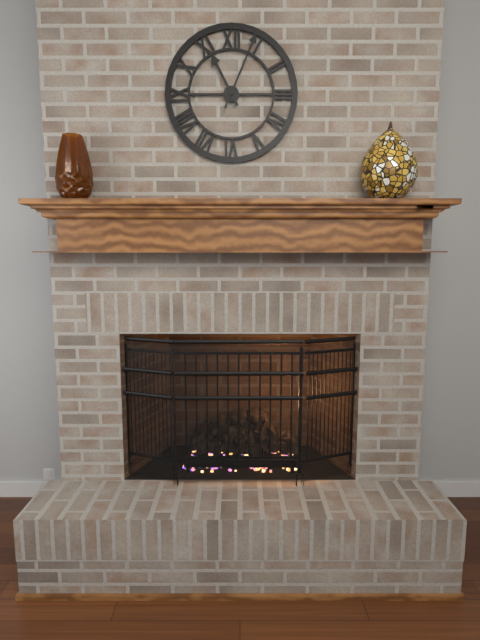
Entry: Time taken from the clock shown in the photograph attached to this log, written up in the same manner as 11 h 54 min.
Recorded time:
11 h 04 min
